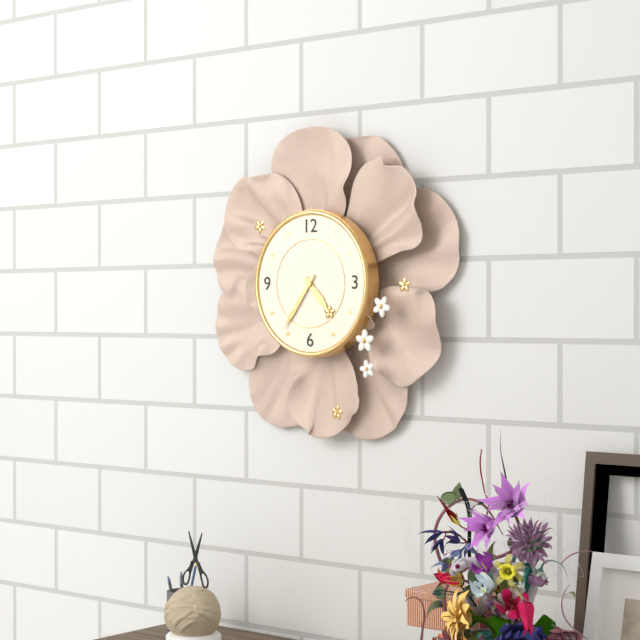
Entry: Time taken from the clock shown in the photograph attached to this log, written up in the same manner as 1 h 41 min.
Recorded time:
4 h 36 min
